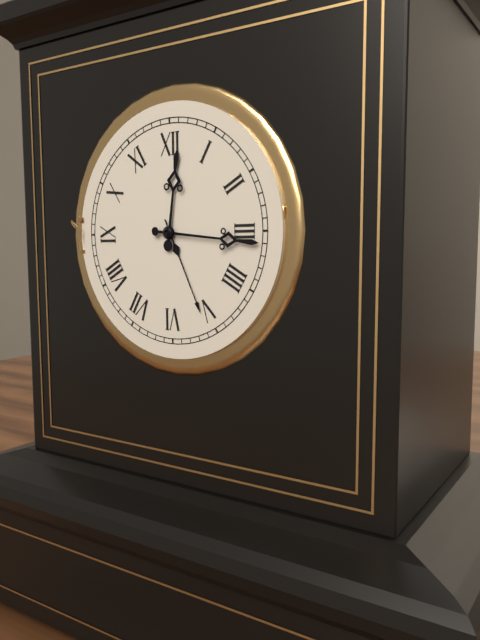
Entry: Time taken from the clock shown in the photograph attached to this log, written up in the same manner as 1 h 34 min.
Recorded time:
12 h 16 min
